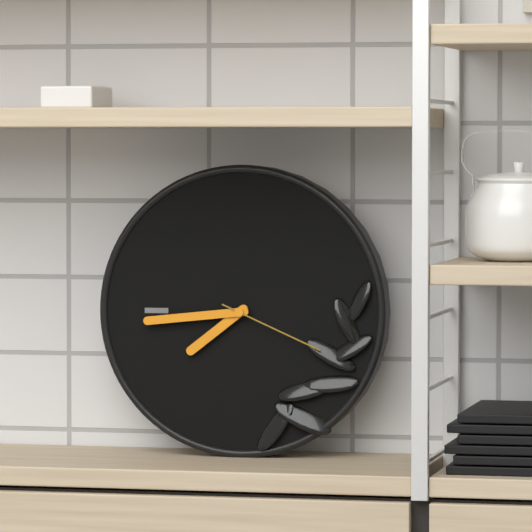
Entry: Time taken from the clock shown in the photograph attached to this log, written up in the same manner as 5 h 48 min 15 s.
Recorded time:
7 h 44 min 19 s
